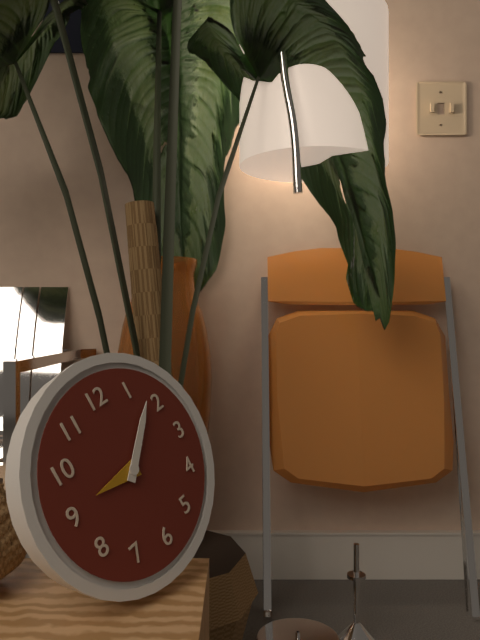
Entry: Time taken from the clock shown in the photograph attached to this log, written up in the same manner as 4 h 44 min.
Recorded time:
9 h 08 min
